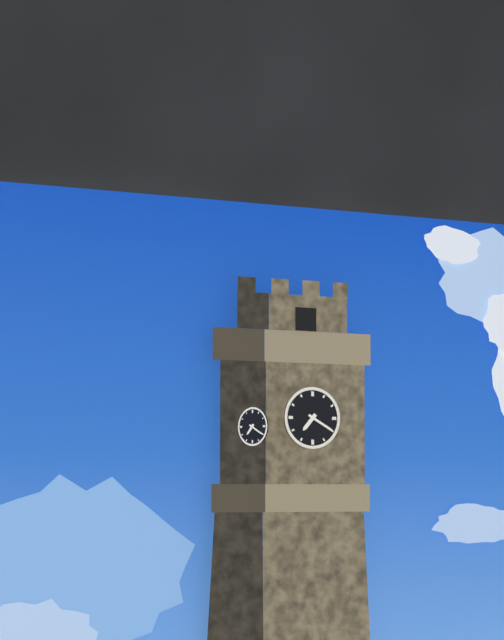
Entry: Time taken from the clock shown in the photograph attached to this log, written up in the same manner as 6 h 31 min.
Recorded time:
7 h 20 min
